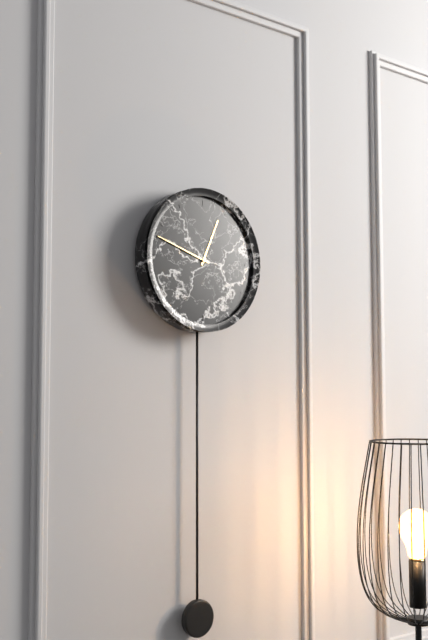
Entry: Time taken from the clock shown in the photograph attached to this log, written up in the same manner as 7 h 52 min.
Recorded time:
12 h 48 min
